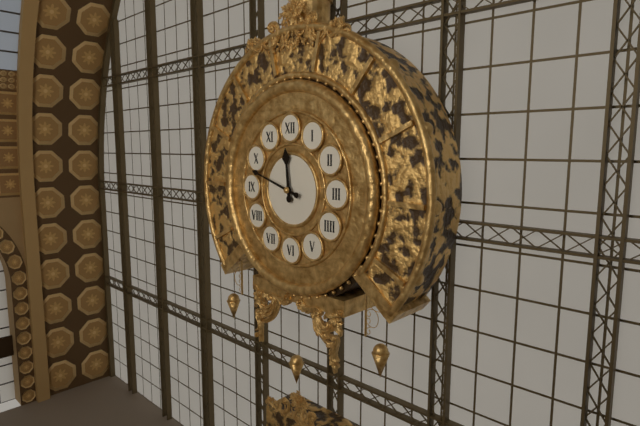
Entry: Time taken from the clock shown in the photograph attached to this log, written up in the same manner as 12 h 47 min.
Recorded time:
11 h 48 min
